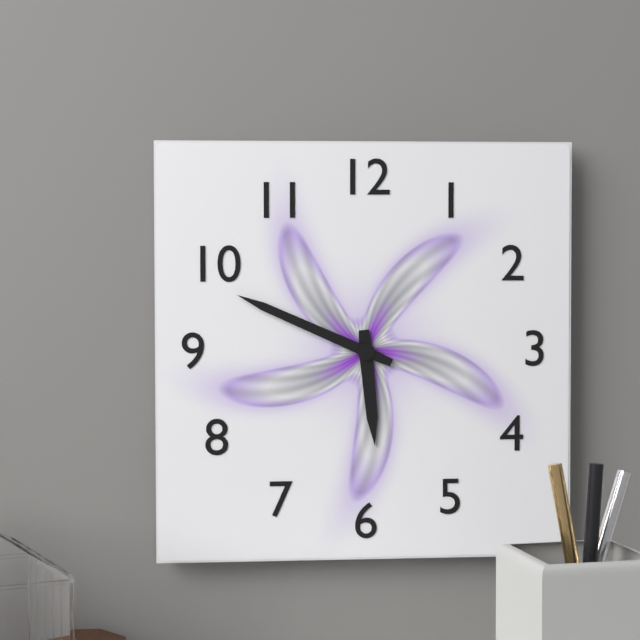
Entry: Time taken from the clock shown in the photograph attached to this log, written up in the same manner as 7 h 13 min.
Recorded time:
5 h 49 min
